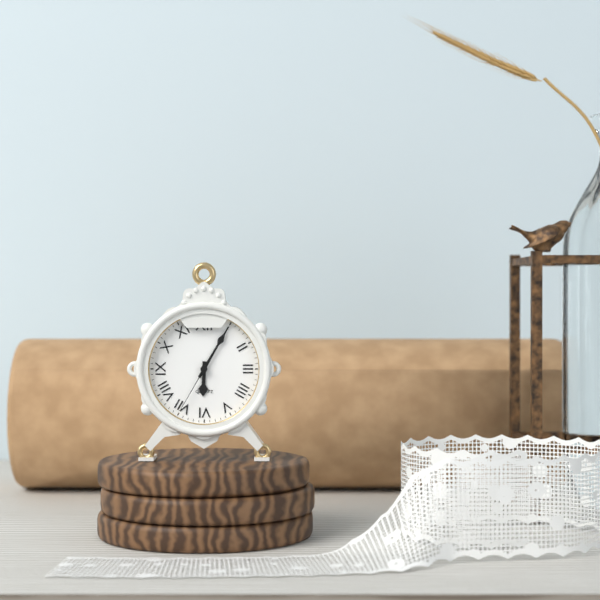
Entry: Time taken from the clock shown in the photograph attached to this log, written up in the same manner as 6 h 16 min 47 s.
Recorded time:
6 h 05 min 35 s
